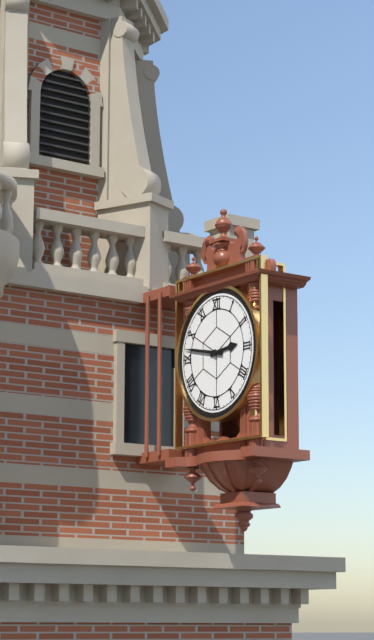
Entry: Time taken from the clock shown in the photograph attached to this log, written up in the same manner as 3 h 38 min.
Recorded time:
2 h 47 min
